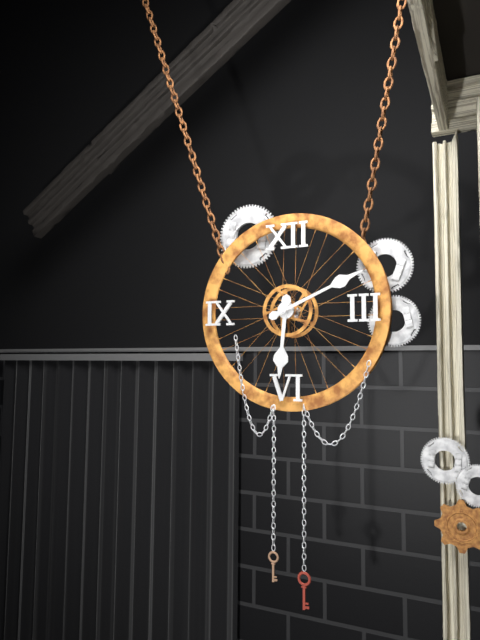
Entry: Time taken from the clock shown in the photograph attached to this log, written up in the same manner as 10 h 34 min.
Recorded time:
6 h 11 min
